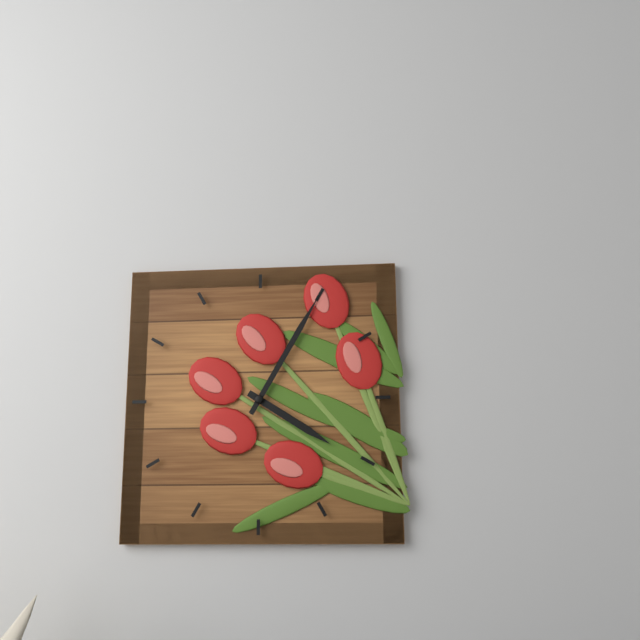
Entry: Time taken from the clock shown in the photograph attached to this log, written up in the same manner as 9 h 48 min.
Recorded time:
4 h 05 min
